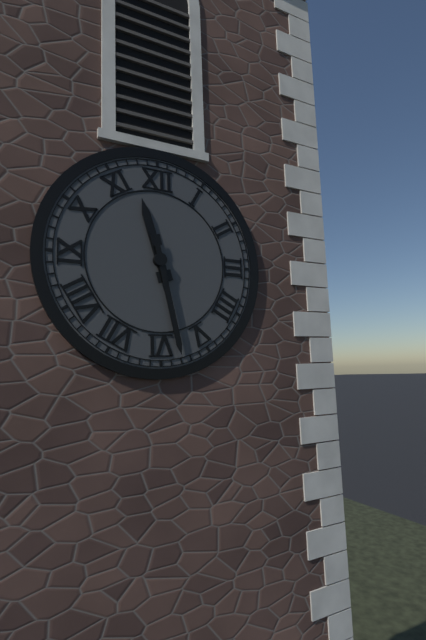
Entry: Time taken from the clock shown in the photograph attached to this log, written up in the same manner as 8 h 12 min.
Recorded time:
11 h 28 min
